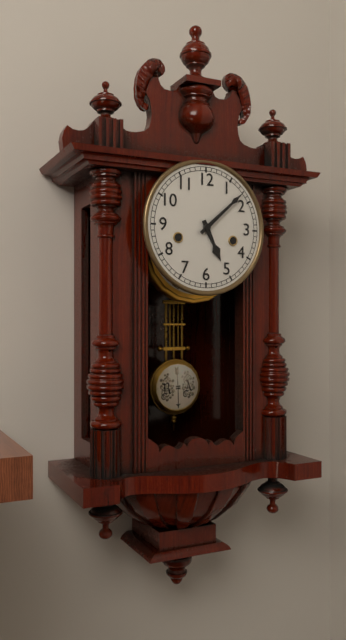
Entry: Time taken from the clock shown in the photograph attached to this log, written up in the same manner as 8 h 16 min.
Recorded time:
5 h 08 min
